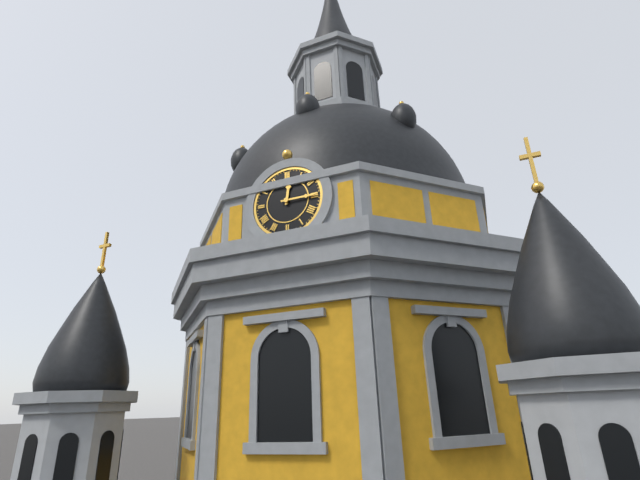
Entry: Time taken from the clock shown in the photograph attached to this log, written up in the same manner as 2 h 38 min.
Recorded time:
12 h 15 min
